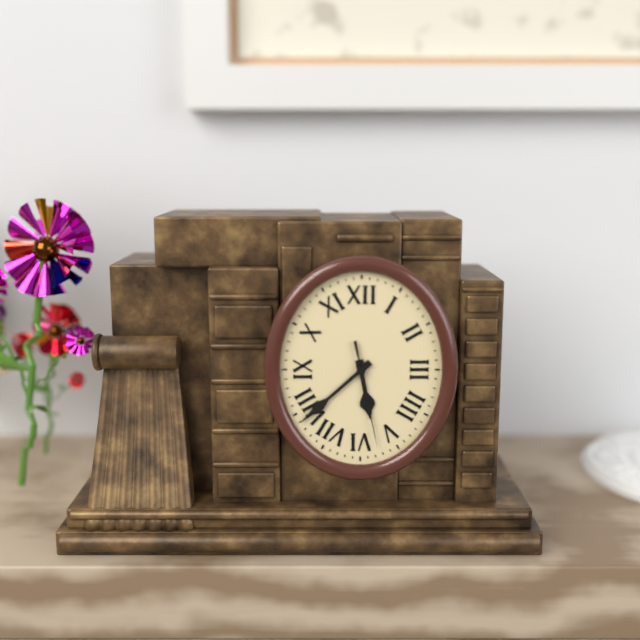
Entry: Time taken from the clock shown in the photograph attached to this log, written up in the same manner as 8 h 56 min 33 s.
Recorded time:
5 h 38 min 28 s
